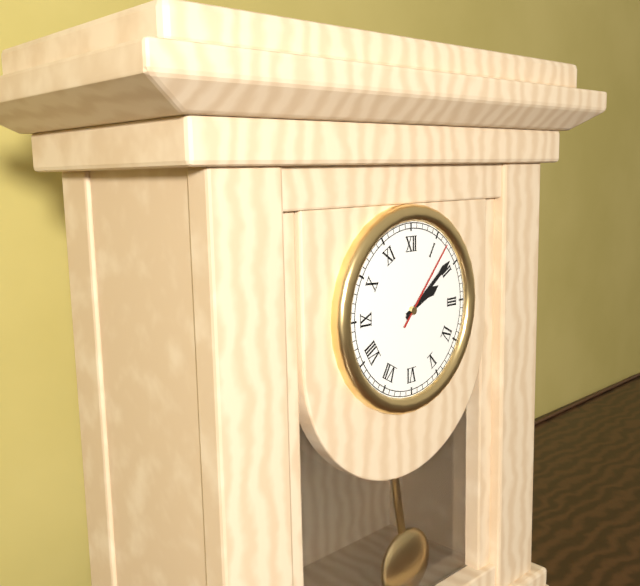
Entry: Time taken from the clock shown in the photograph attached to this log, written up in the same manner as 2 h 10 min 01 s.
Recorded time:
2 h 09 min 07 s
